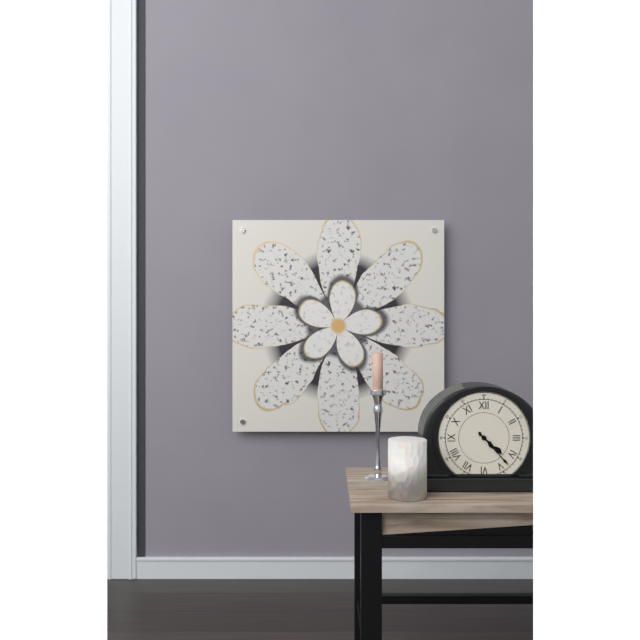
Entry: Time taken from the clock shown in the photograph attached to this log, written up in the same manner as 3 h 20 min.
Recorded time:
4 h 23 min
